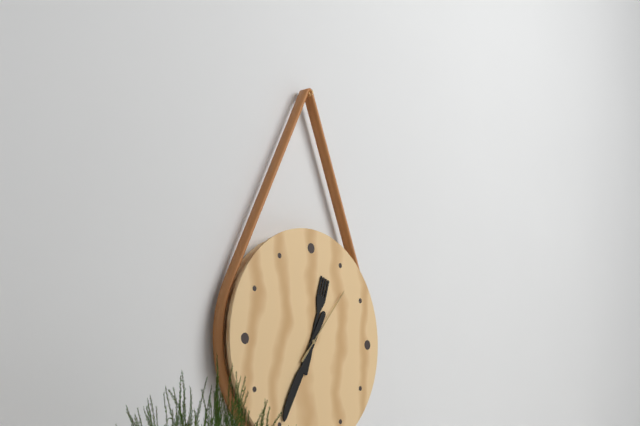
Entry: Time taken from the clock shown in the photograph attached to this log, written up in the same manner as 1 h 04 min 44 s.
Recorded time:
12 h 35 min 07 s
